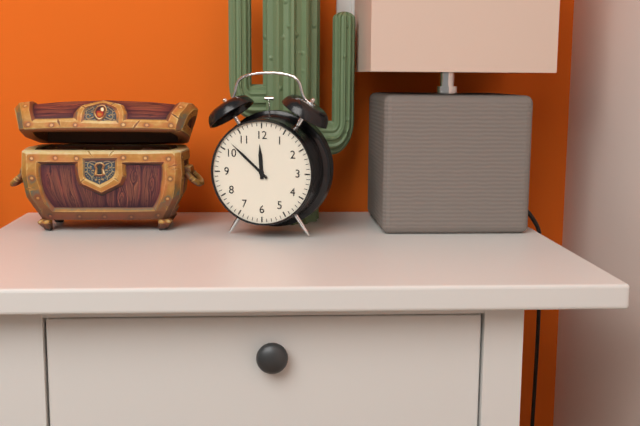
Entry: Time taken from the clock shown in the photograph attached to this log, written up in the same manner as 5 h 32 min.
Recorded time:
11 h 52 min
